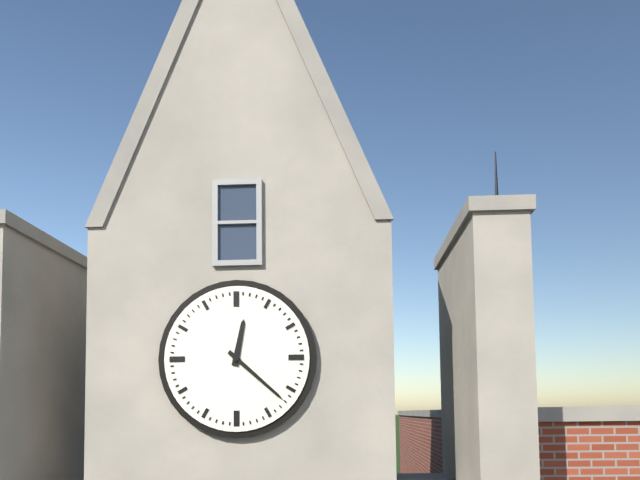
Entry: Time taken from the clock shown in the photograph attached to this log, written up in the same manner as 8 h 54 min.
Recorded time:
12 h 22 min
